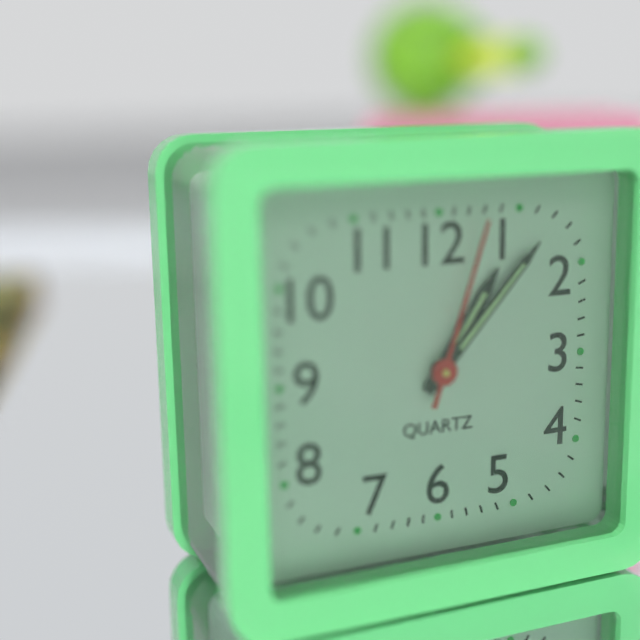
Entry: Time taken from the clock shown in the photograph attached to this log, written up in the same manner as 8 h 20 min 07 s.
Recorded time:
1 h 07 min 03 s
